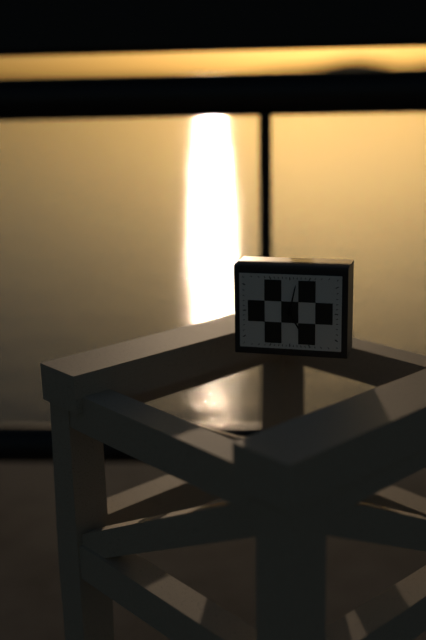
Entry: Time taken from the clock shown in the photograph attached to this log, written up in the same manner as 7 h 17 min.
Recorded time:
5 h 02 min
